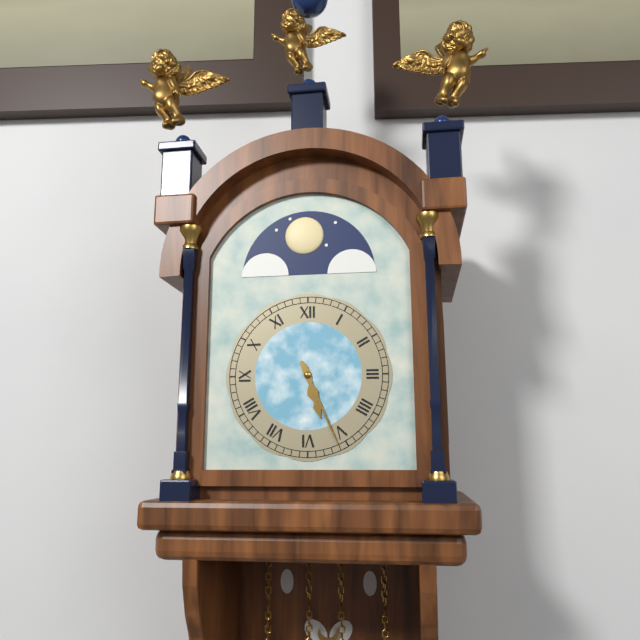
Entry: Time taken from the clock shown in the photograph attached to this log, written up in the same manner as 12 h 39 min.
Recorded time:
5 h 26 min
